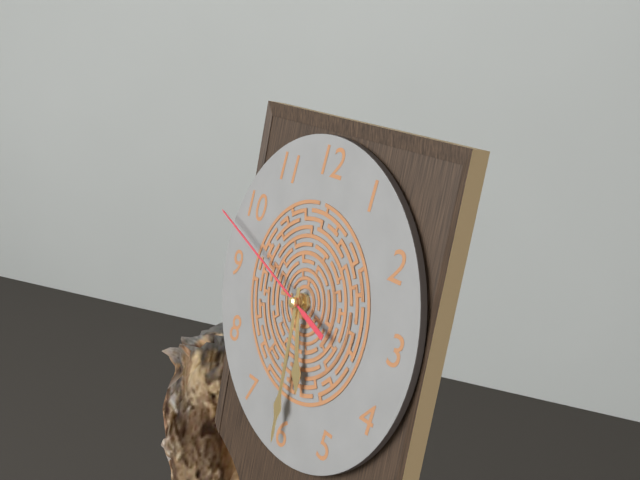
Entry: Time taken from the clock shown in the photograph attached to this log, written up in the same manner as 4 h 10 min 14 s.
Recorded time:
5 h 30 min 48 s
